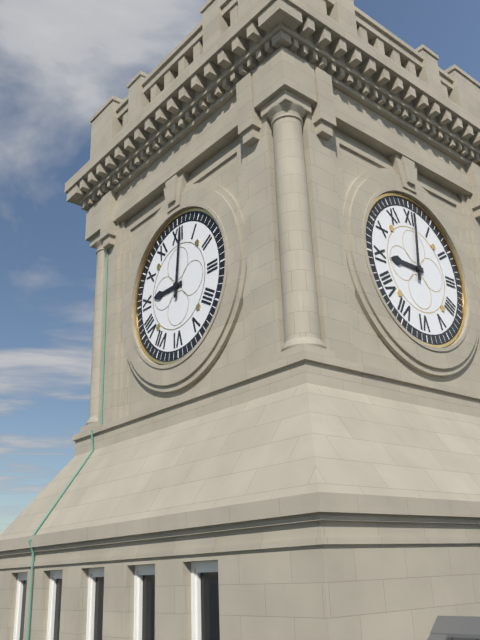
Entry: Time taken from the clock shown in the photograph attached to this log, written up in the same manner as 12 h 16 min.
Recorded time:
9 h 01 min
